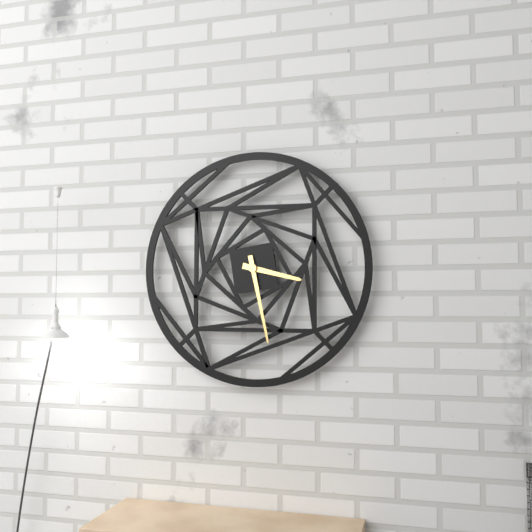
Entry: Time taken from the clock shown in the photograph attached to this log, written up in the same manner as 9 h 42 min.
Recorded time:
3 h 28 min
